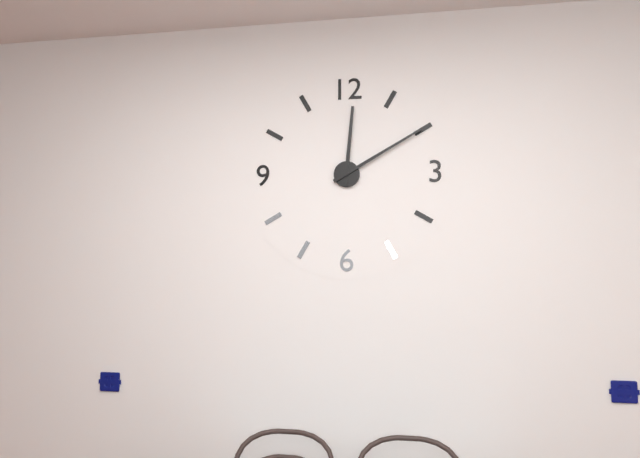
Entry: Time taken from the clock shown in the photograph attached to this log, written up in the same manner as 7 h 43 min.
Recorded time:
12 h 10 min
